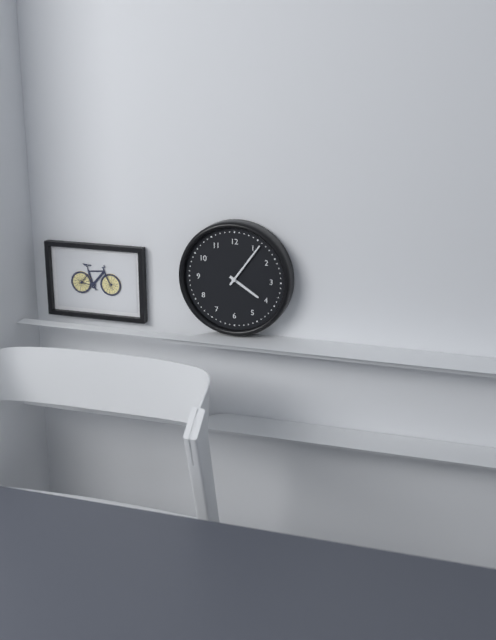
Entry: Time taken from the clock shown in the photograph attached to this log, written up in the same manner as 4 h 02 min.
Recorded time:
4 h 06 min
